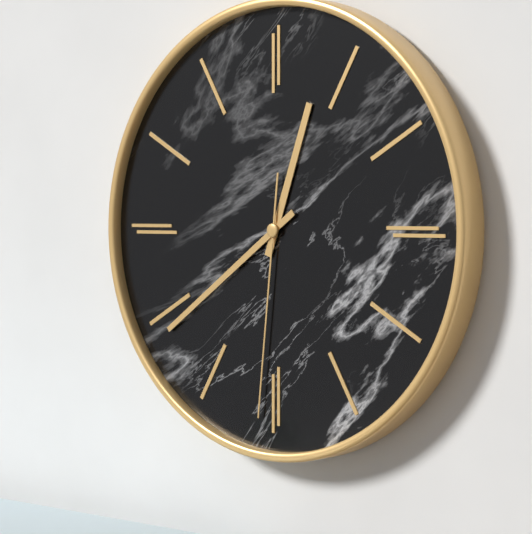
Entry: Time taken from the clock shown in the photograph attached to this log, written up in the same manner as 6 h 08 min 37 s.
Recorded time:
12 h 39 min 31 s
